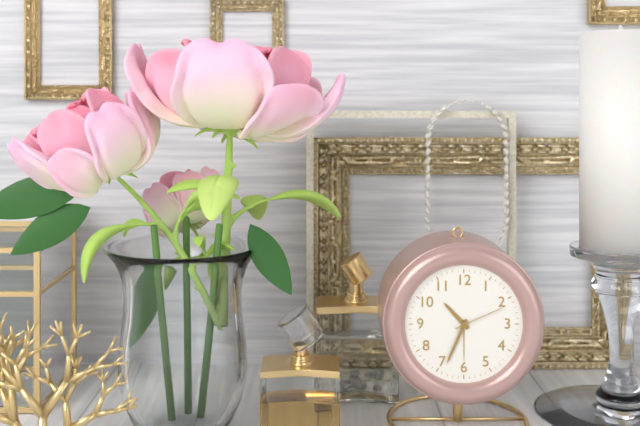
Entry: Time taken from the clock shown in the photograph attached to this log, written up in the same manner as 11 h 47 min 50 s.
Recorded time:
10 h 34 min 11 s
